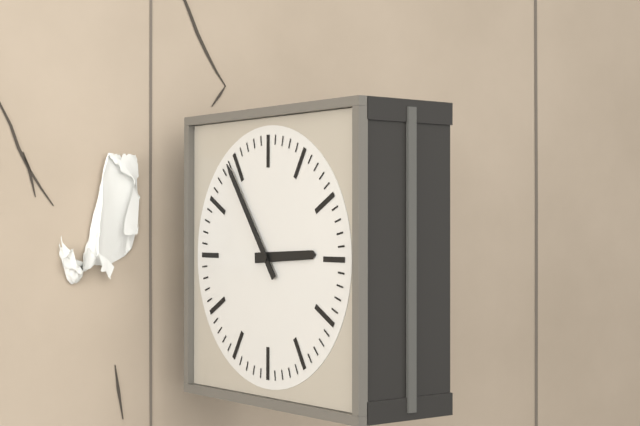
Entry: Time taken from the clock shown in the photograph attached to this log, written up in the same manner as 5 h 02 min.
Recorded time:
2 h 54 min
